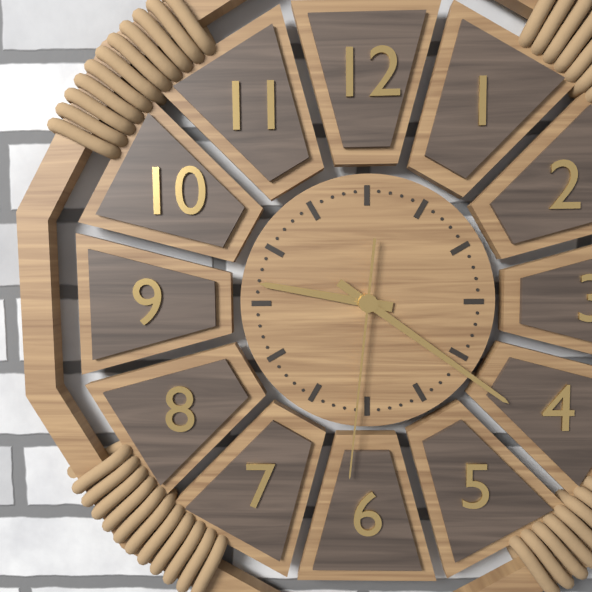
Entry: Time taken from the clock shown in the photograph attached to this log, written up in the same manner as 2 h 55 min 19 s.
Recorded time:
9 h 21 min 31 s
